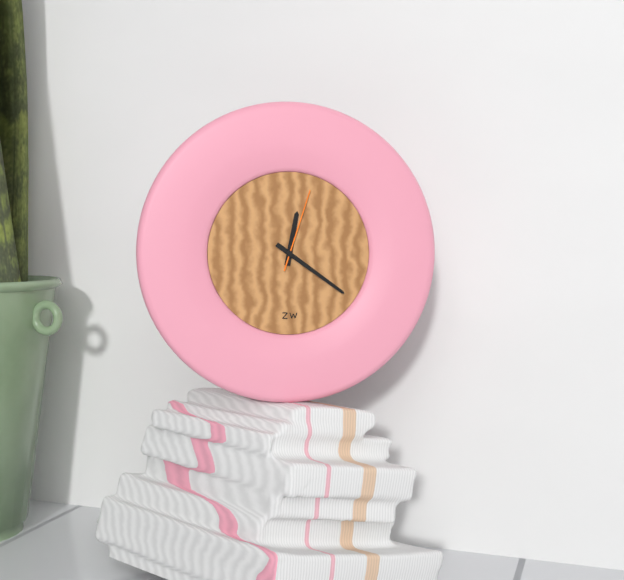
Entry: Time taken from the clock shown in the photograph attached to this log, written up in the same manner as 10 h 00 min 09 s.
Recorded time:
12 h 21 min 03 s
